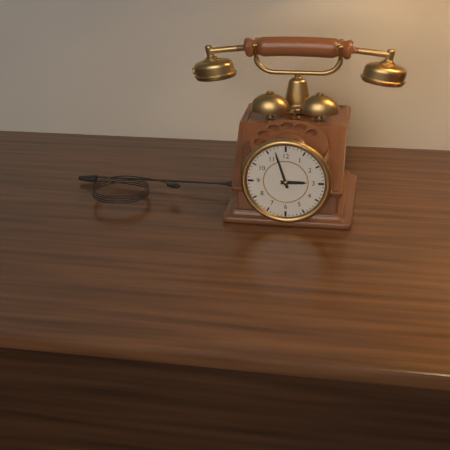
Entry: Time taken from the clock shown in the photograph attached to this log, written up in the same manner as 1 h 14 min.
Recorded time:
2 h 57 min
